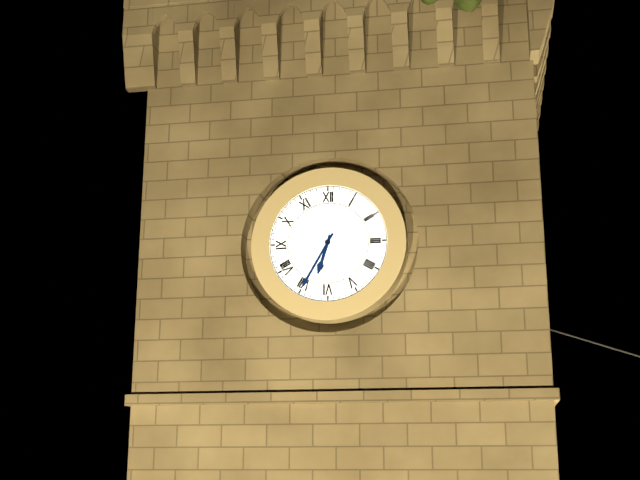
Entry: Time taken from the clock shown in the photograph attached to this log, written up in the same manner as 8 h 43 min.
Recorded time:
6 h 35 min
